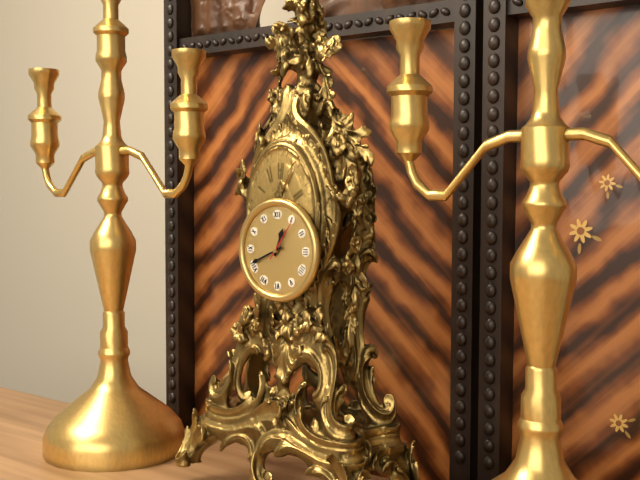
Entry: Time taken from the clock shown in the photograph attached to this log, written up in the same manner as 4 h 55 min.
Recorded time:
12 h 41 min
